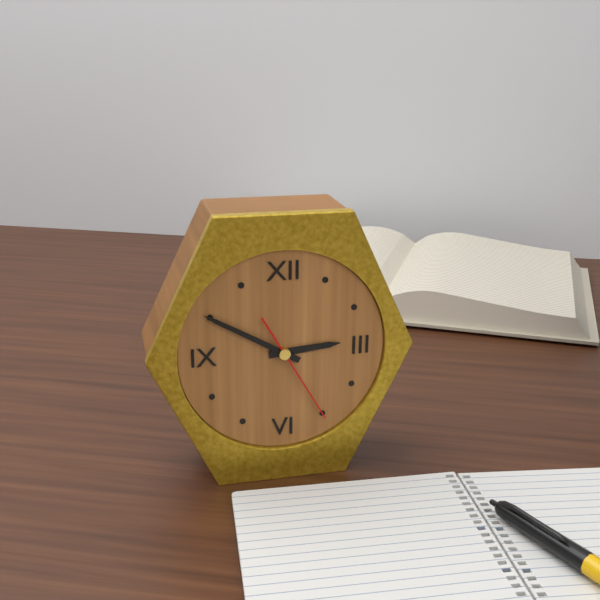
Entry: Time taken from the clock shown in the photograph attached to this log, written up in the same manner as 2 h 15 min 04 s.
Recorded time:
2 h 50 min 25 s
